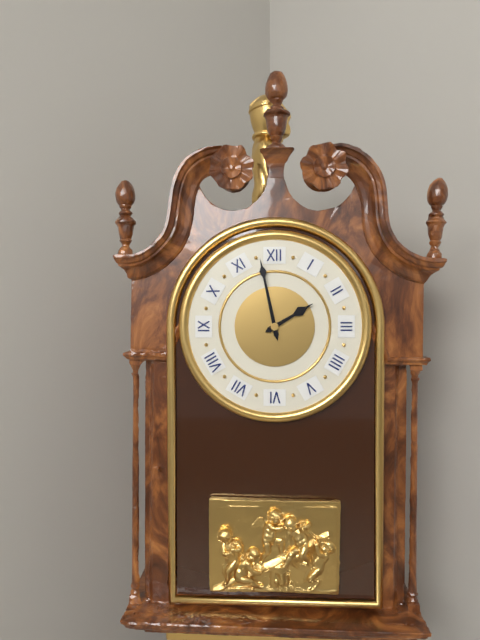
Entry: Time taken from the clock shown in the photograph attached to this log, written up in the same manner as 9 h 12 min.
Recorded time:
1 h 58 min
